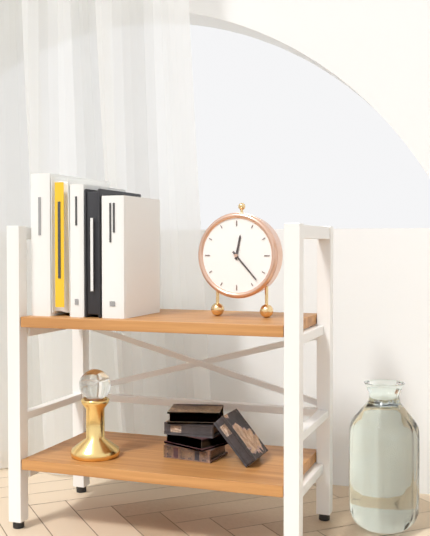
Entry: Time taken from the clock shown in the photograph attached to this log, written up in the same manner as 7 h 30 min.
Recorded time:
12 h 23 min
